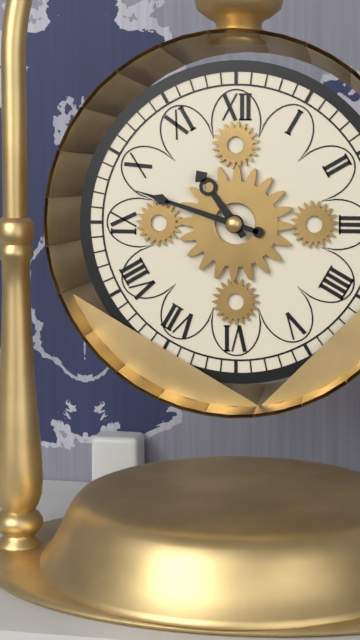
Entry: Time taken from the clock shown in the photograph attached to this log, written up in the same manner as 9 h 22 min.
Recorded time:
10 h 48 min
